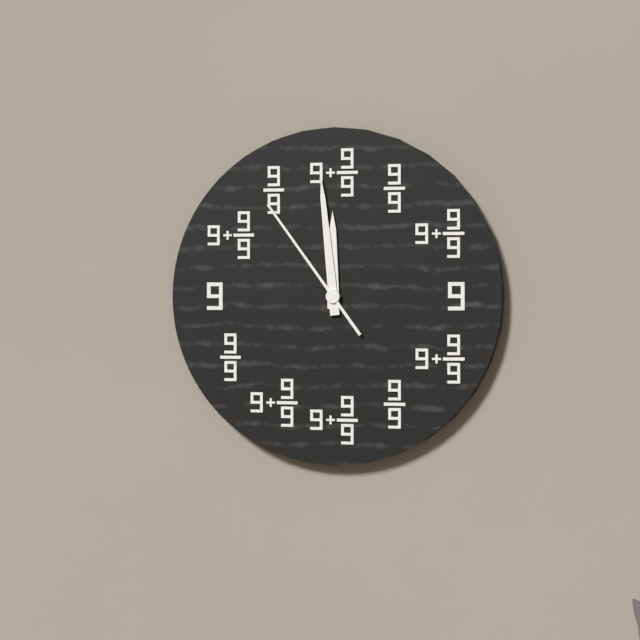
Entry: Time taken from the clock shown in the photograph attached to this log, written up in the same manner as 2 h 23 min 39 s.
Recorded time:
11 h 59 min 54 s
